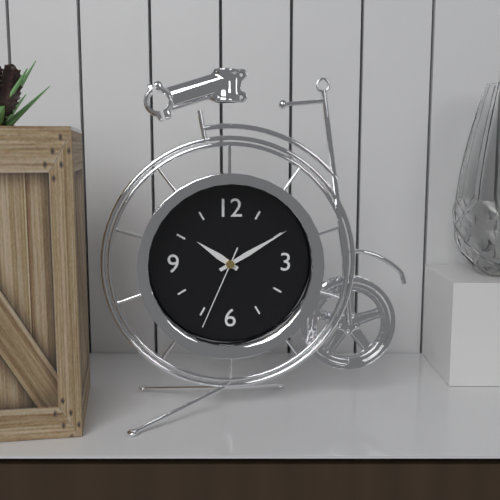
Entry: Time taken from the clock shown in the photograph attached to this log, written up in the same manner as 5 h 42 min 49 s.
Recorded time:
10 h 10 min 34 s
